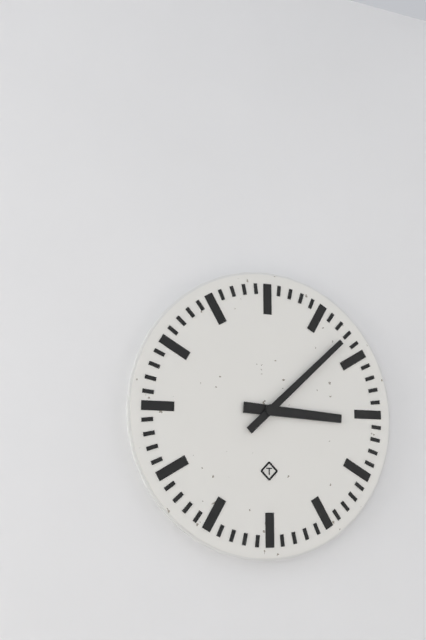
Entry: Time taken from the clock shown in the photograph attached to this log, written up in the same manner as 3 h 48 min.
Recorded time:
3 h 08 min
